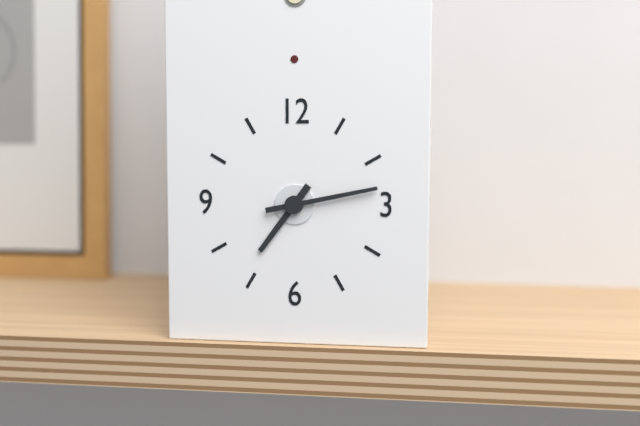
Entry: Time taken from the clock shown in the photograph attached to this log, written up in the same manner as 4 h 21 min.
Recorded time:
7 h 13 min
